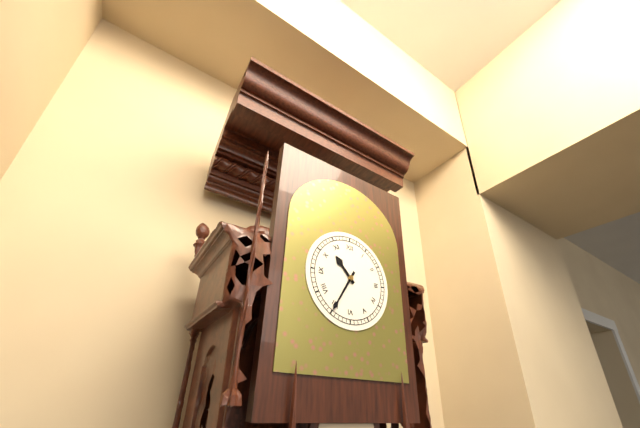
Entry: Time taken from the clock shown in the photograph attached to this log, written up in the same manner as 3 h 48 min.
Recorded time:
10 h 35 min
